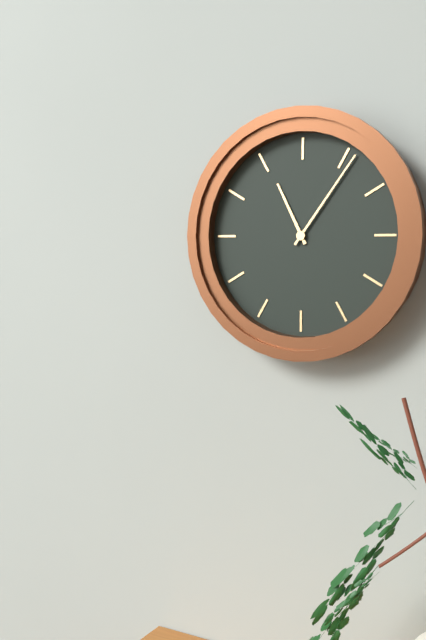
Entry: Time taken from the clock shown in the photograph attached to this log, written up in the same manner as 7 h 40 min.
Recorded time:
11 h 06 min
